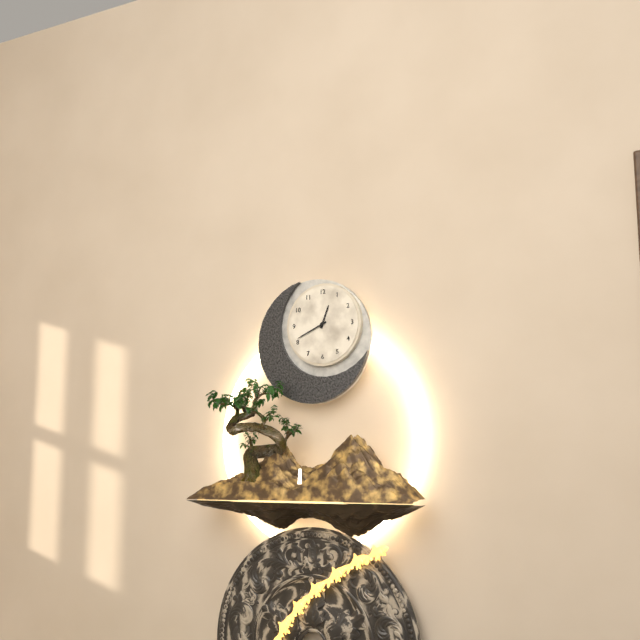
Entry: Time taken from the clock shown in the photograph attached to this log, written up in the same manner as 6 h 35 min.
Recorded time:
12 h 41 min
